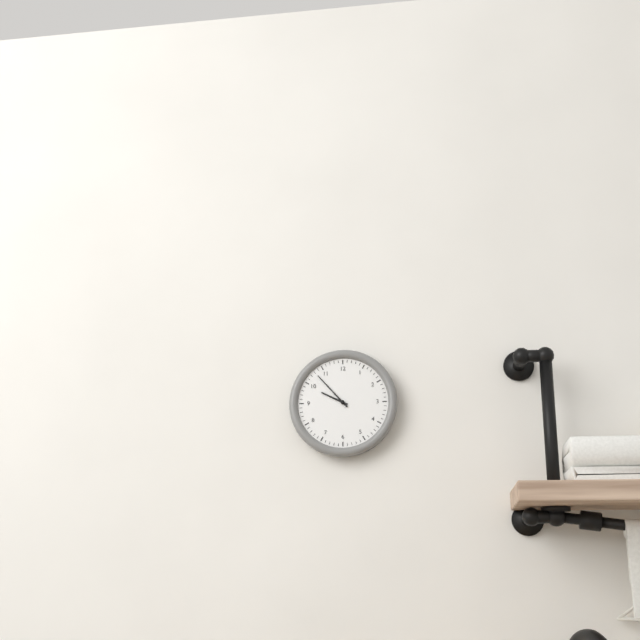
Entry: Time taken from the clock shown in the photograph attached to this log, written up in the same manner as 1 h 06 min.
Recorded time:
9 h 53 min
